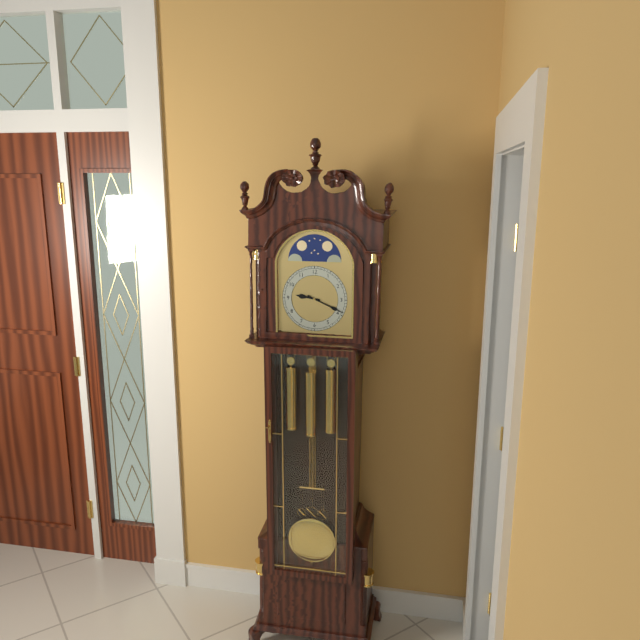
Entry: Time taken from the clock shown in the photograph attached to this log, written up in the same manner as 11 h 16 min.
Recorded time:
9 h 19 min
